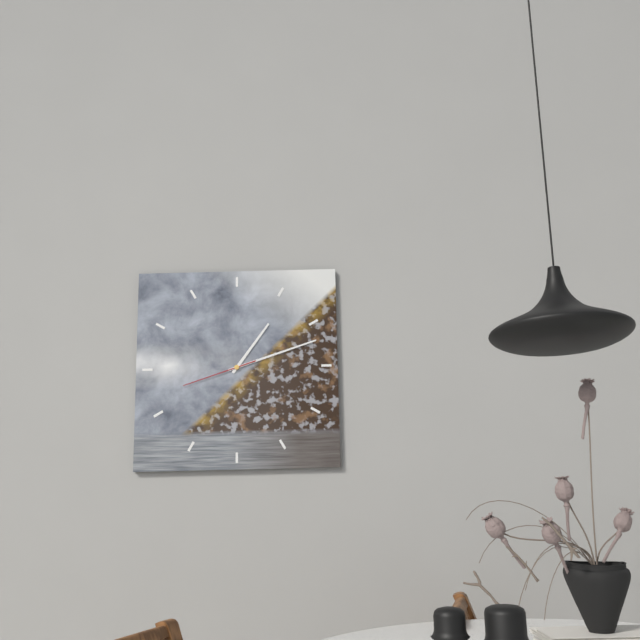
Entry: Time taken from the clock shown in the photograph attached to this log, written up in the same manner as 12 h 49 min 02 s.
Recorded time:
1 h 12 min 42 s
